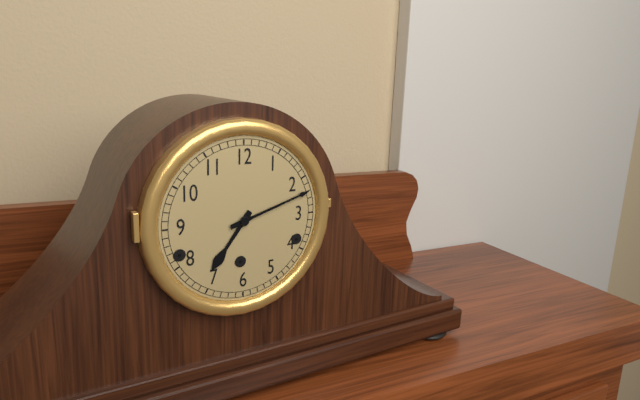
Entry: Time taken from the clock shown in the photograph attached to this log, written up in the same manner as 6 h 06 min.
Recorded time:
7 h 12 min
